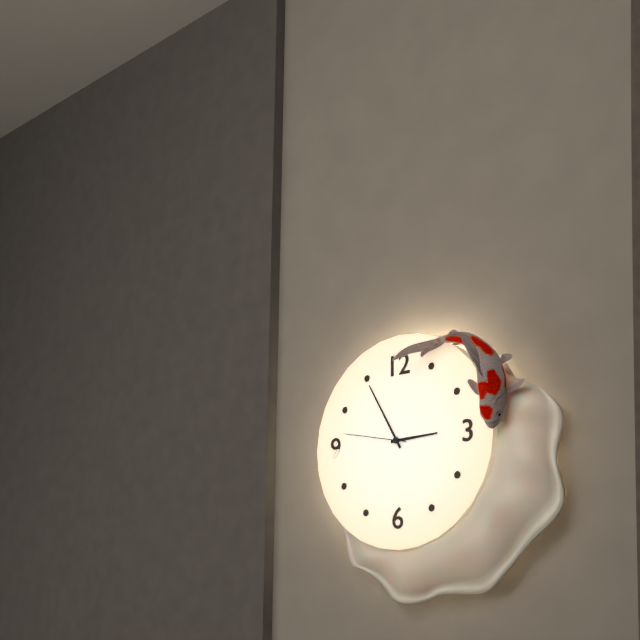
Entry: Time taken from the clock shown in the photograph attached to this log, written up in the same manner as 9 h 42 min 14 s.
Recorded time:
2 h 55 min 47 s
